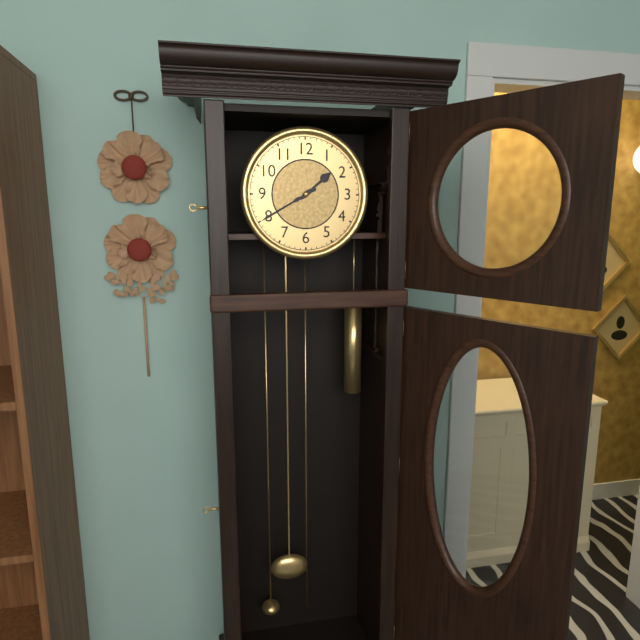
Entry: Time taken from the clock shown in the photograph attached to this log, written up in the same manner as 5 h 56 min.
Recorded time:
1 h 40 min
